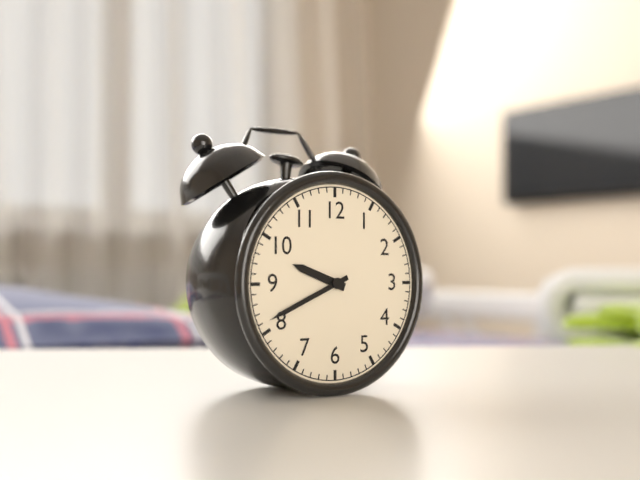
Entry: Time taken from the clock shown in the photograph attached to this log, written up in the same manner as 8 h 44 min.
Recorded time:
9 h 41 min
